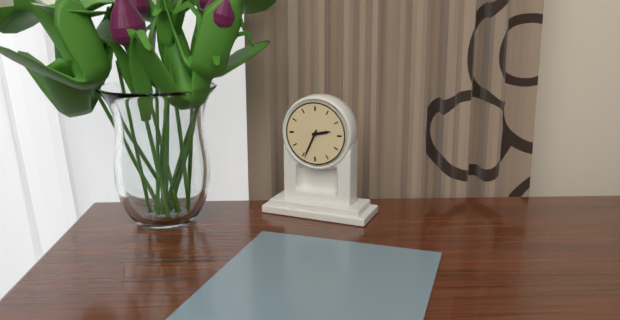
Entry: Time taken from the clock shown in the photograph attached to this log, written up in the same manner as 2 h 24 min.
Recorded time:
2 h 34 min
